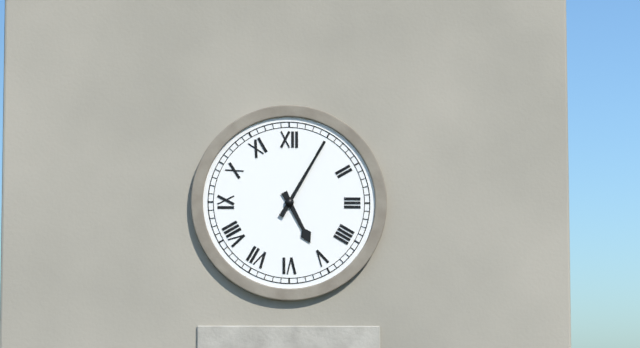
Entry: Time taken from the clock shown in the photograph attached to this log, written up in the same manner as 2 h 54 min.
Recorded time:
5 h 05 min
